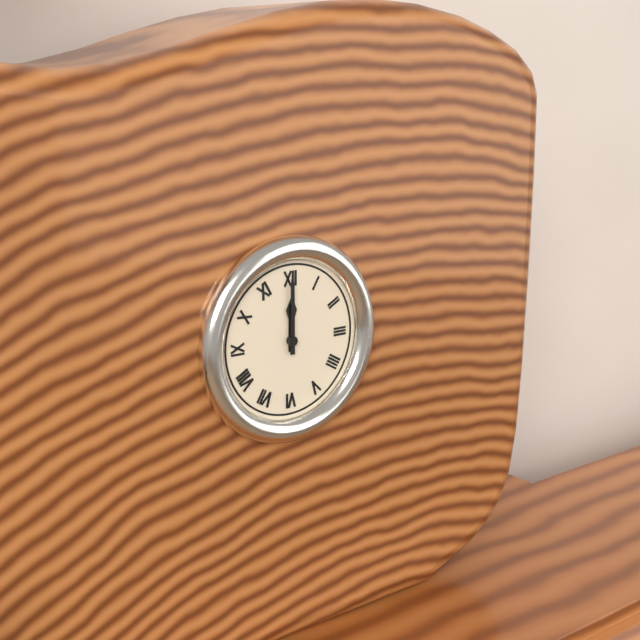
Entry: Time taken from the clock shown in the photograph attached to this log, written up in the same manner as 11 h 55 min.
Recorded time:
12 h 00 min
